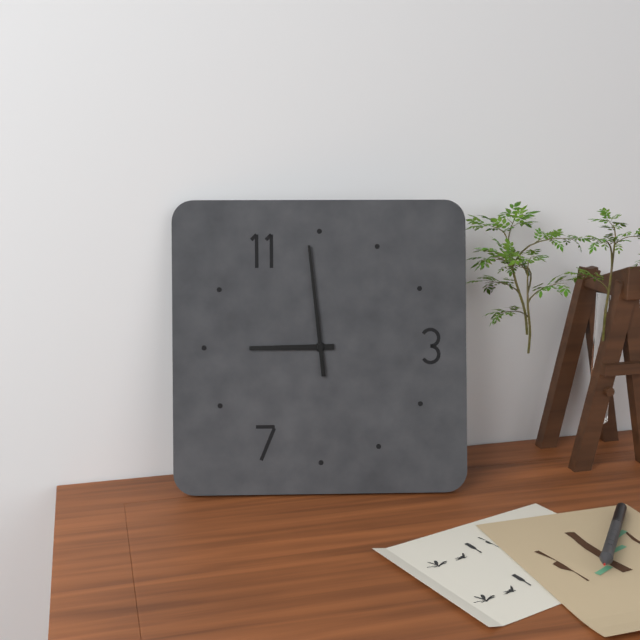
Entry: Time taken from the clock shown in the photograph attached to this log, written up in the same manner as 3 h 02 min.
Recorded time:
8 h 59 min
